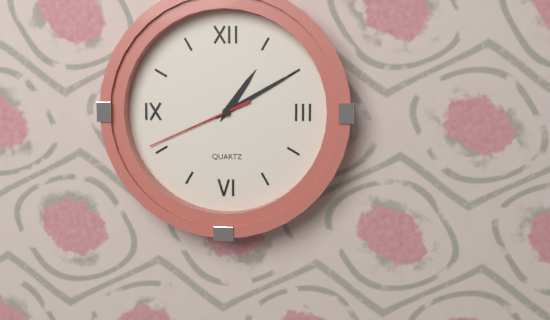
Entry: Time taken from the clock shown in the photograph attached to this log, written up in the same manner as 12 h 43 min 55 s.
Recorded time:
1 h 10 min 41 s
